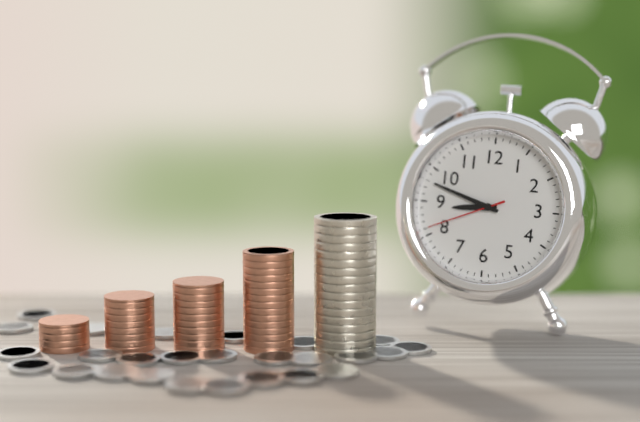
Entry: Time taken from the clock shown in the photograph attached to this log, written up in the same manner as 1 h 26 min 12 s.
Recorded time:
8 h 48 min 41 s
